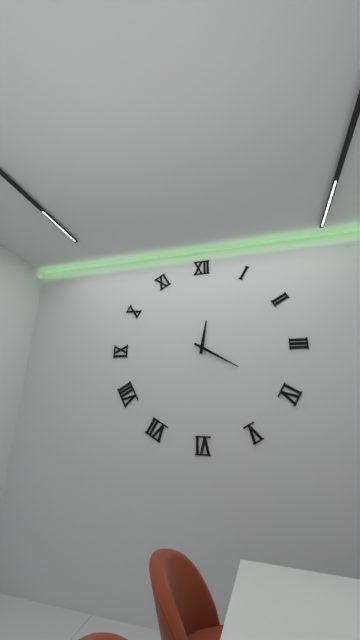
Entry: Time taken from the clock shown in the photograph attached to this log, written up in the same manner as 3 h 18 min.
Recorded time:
12 h 20 min
